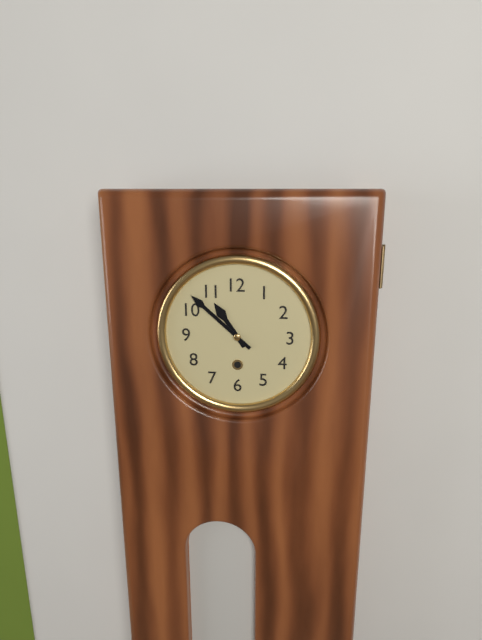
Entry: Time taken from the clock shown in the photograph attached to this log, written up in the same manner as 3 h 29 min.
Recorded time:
10 h 52 min
